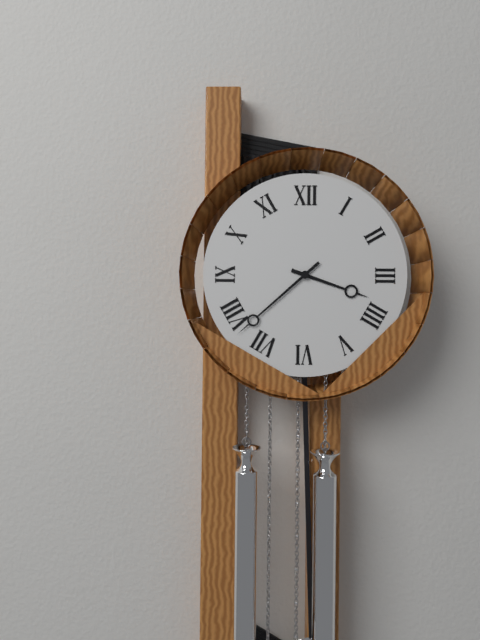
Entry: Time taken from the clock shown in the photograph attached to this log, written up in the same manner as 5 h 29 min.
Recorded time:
3 h 38 min
